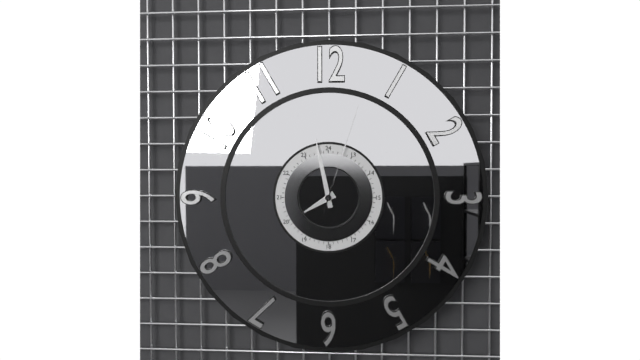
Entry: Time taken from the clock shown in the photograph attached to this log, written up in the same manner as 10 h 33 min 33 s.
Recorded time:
7 h 58 min 03 s
